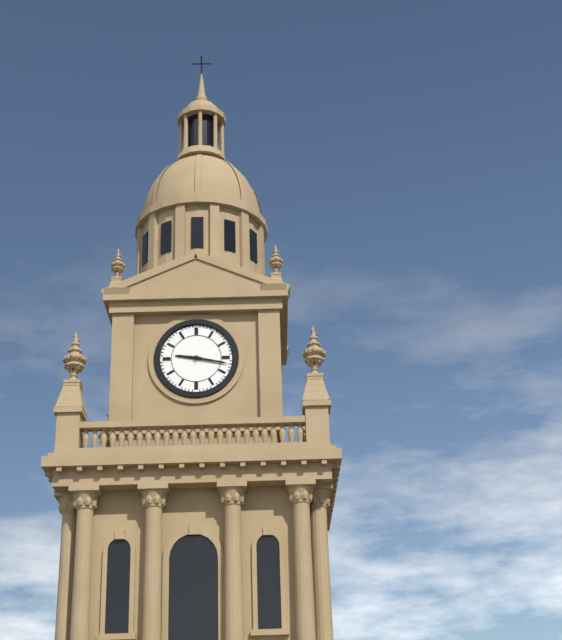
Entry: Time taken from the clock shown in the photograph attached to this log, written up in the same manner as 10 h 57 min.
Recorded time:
9 h 17 min
